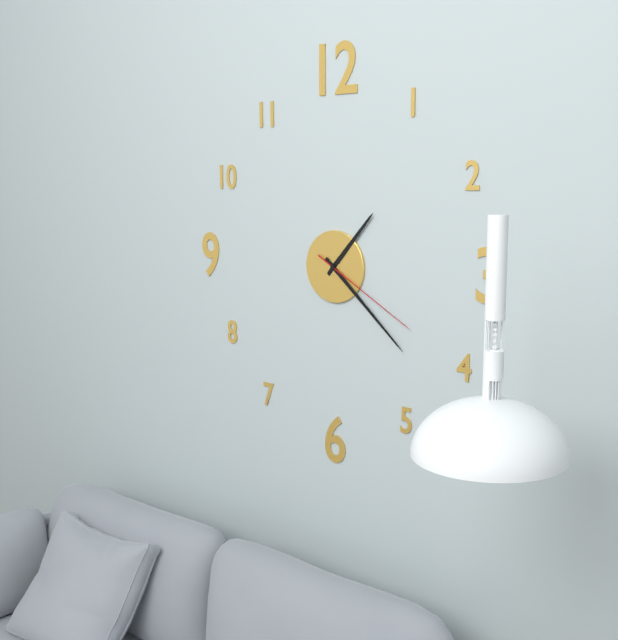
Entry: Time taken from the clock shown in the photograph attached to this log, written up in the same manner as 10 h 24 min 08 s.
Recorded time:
1 h 22 min 20 s
